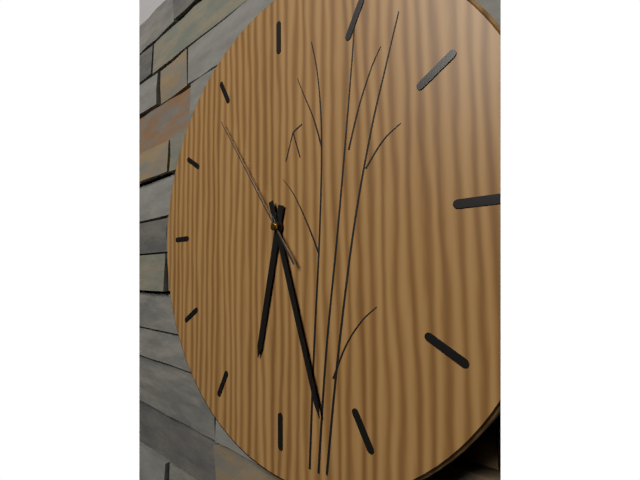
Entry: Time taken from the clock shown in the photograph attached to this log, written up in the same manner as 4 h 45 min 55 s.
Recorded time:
6 h 27 min 54 s
